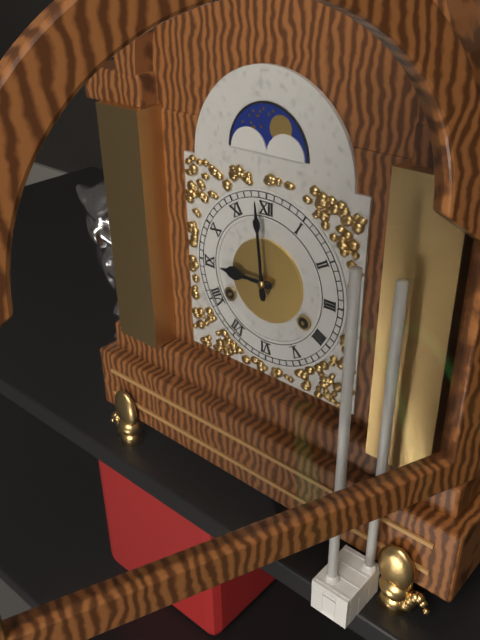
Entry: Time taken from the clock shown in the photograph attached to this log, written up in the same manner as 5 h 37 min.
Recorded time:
8 h 59 min
